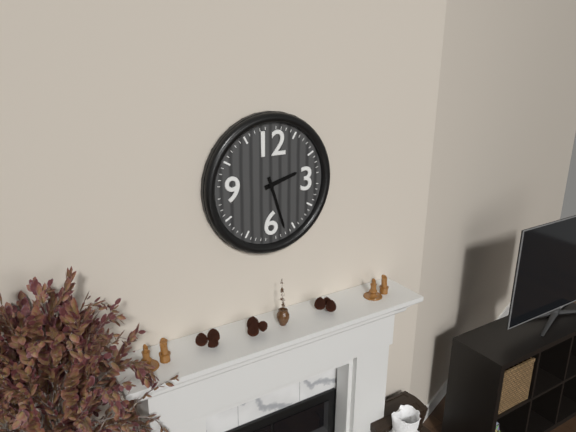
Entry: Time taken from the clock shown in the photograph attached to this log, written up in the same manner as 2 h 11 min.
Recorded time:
2 h 27 min
